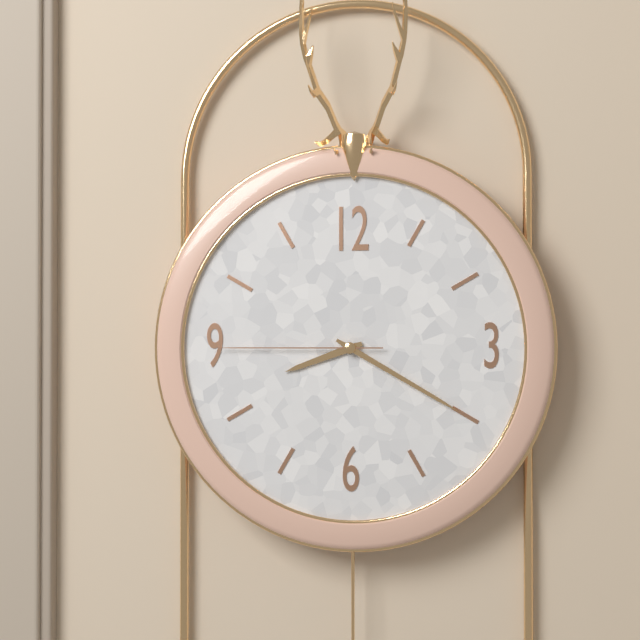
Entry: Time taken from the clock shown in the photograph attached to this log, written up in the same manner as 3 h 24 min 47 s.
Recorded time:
8 h 20 min 45 s
